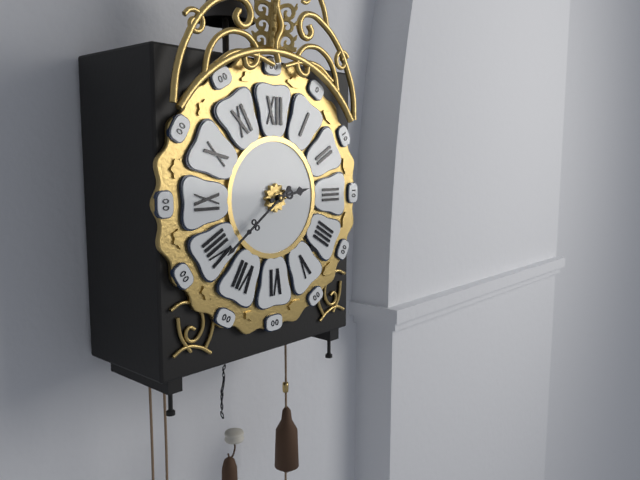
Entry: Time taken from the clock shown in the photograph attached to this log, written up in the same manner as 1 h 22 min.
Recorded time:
2 h 39 min
